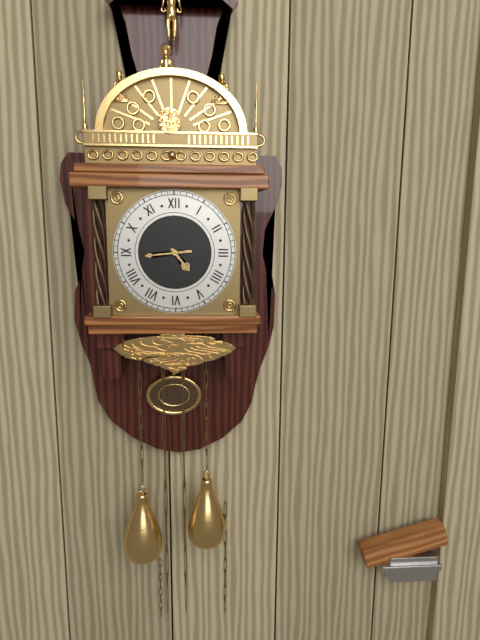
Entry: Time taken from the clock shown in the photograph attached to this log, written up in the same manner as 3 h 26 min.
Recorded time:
4 h 44 min
